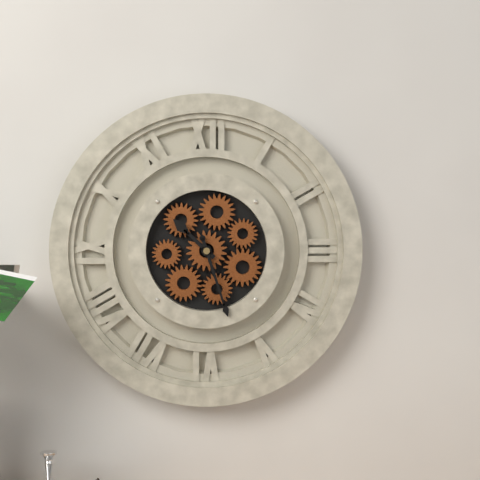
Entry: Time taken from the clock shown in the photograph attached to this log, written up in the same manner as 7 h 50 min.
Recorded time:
10 h 27 min
